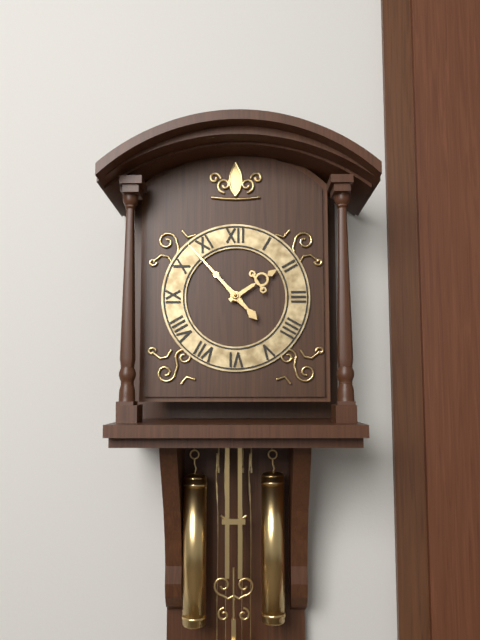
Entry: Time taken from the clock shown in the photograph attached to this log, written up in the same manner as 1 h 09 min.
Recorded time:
1 h 53 min
